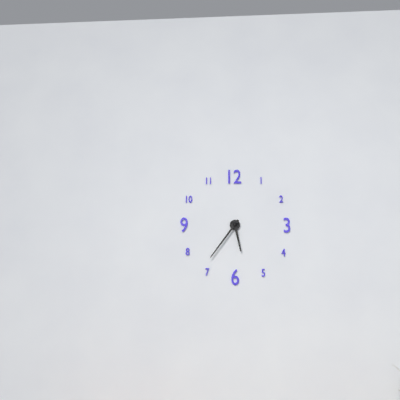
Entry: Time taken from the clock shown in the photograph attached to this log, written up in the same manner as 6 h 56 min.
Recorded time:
5 h 36 min
